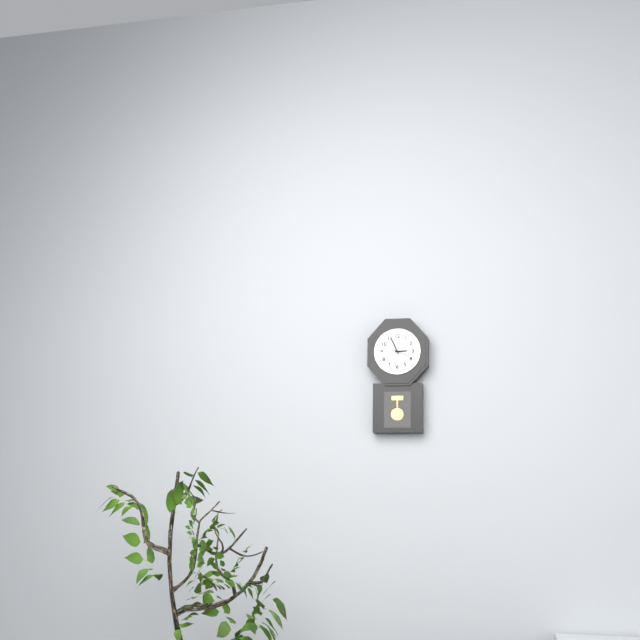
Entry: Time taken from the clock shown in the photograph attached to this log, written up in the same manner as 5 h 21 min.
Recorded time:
2 h 56 min
